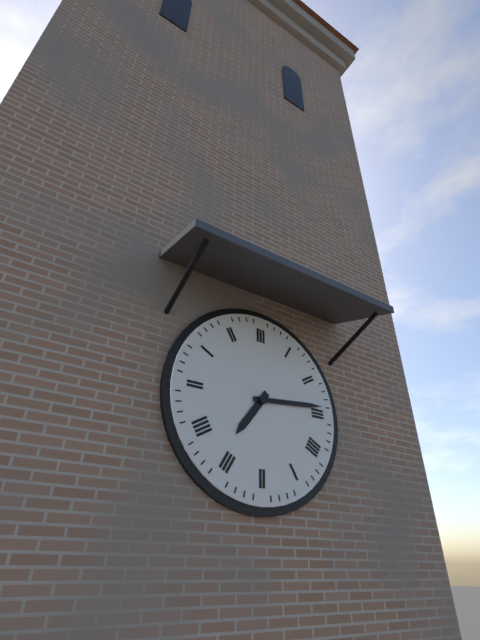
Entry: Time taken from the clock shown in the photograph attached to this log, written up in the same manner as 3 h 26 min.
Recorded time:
7 h 14 min
